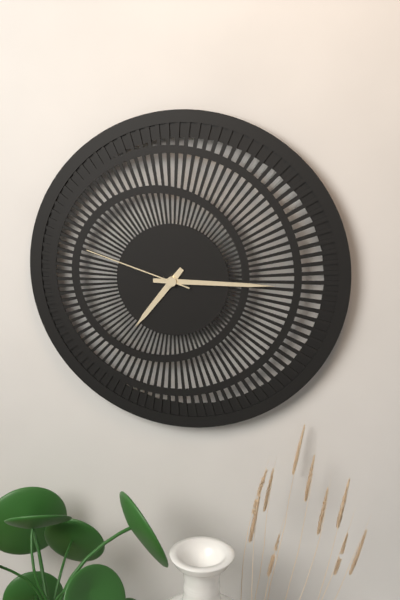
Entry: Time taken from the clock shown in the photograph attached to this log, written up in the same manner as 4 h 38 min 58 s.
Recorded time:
7 h 15 min 48 s
